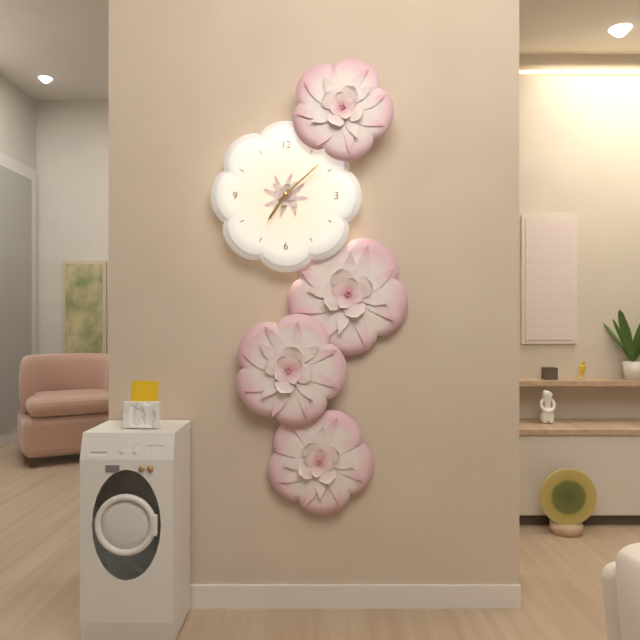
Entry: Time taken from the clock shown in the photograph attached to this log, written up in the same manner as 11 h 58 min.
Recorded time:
7 h 08 min
